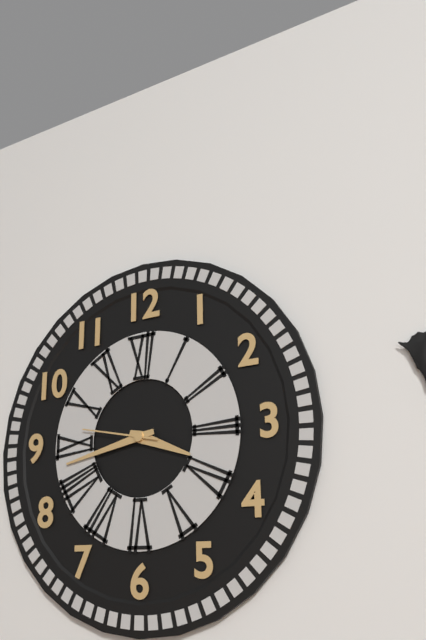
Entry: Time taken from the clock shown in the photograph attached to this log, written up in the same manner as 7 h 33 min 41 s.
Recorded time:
3 h 43 min 47 s
